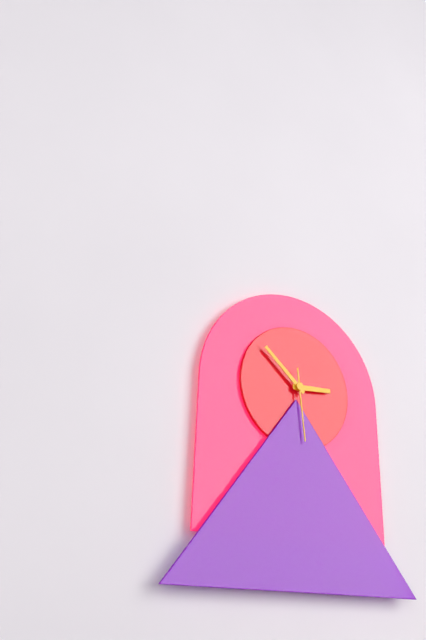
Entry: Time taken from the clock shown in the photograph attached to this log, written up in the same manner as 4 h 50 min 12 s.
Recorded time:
2 h 52 min 29 s
